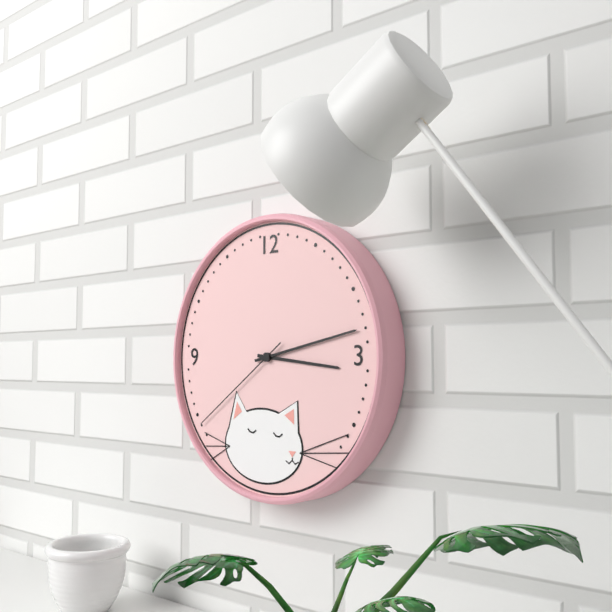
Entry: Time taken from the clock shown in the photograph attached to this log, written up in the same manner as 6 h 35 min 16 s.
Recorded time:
3 h 13 min 39 s
